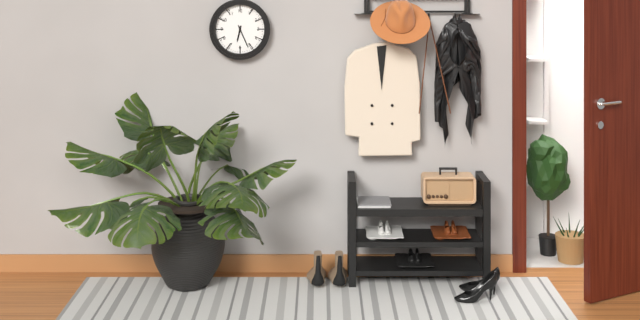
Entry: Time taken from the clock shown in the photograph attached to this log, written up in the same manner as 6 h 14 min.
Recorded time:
6 h 26 min
